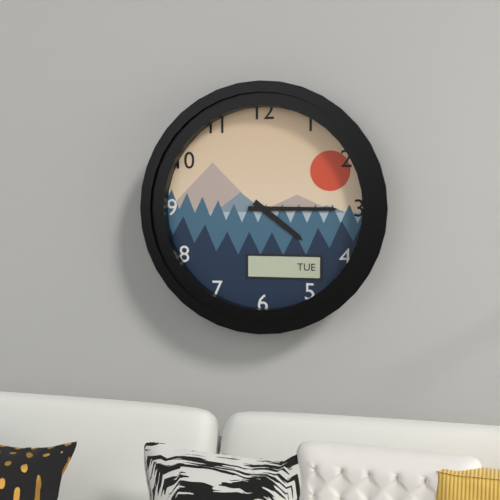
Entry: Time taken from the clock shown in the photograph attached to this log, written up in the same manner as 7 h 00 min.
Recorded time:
4 h 15 min
